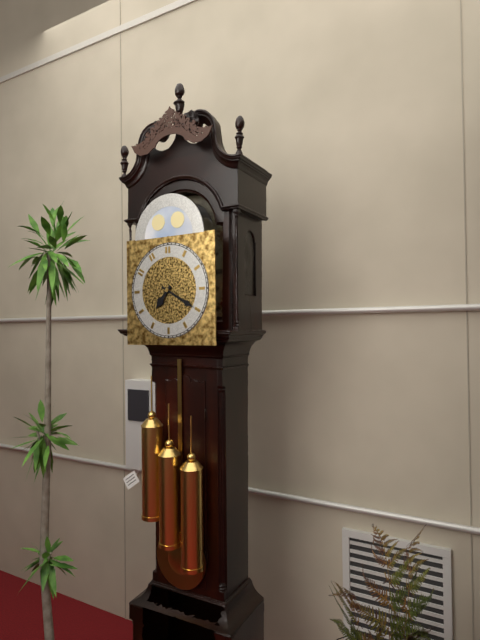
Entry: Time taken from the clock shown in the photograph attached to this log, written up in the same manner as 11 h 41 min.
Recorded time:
7 h 20 min
